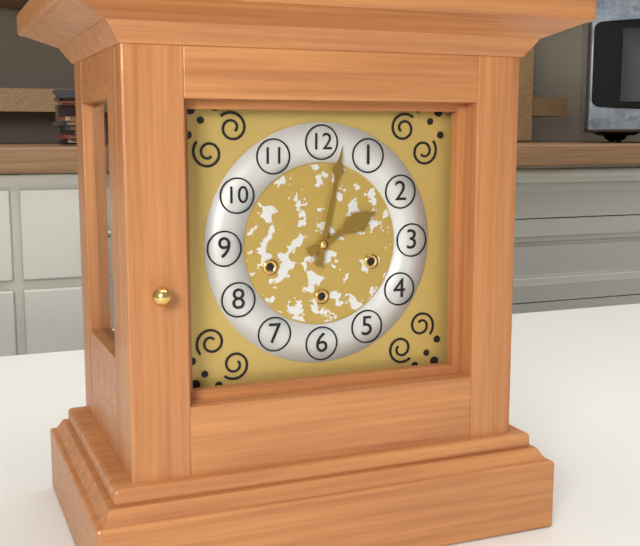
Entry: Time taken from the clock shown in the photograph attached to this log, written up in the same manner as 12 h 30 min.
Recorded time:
2 h 02 min
